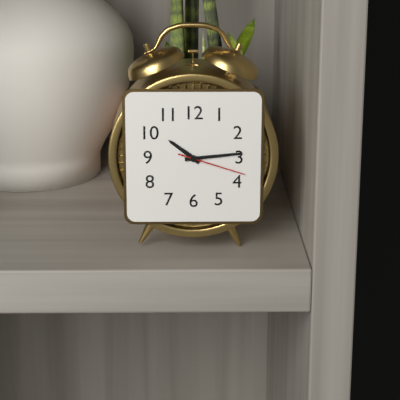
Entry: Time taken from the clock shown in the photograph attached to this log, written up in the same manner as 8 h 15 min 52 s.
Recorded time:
10 h 14 min 18 s
